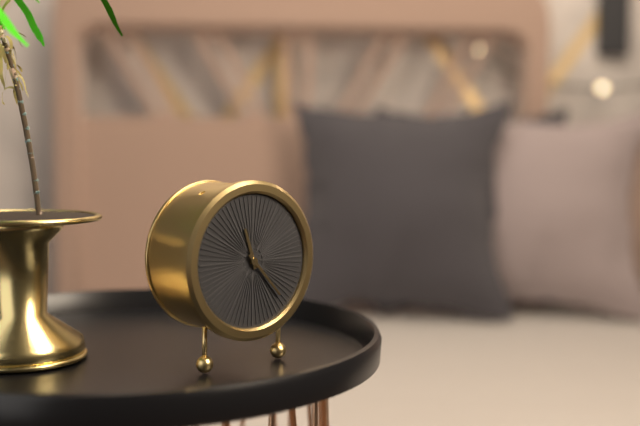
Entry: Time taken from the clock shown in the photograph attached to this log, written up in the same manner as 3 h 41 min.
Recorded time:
11 h 23 min
